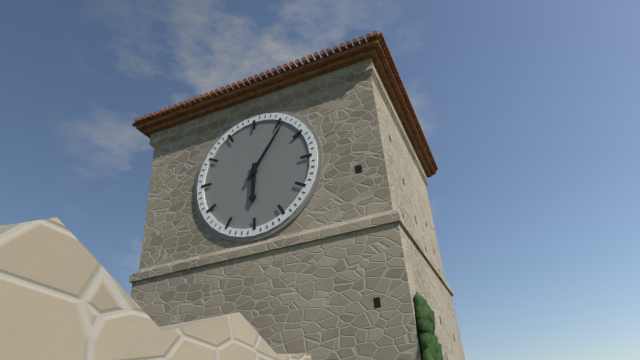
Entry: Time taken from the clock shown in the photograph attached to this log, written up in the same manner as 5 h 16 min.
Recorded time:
6 h 06 min
